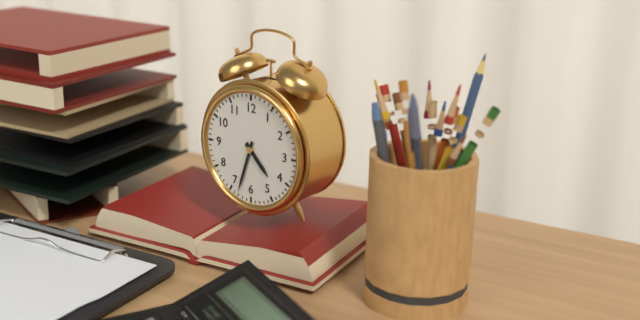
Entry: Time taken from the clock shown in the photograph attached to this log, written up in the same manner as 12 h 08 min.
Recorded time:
4 h 33 min
